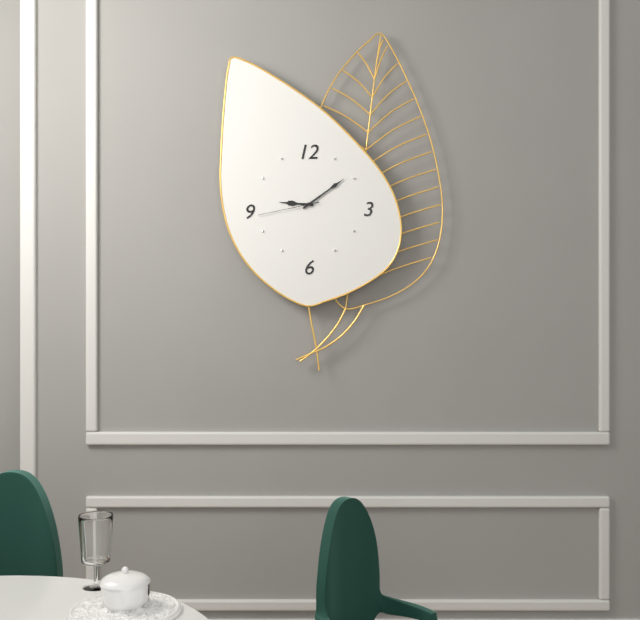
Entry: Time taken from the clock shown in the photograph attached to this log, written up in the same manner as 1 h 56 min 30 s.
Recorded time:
9 h 09 min 43 s
